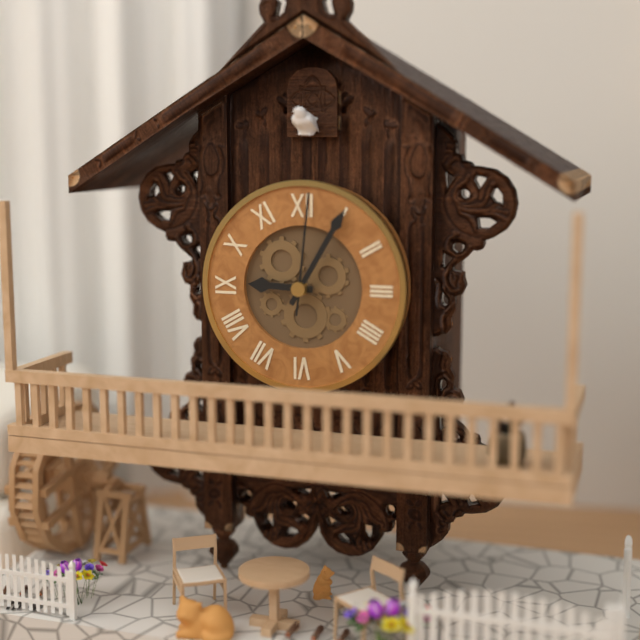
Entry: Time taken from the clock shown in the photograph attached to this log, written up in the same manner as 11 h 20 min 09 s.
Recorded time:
9 h 05 min 01 s
